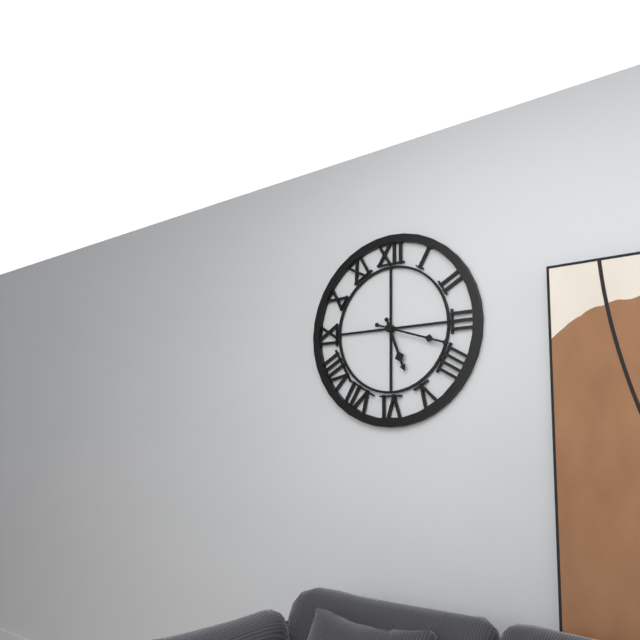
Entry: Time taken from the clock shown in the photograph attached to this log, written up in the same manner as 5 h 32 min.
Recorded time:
5 h 18 min
